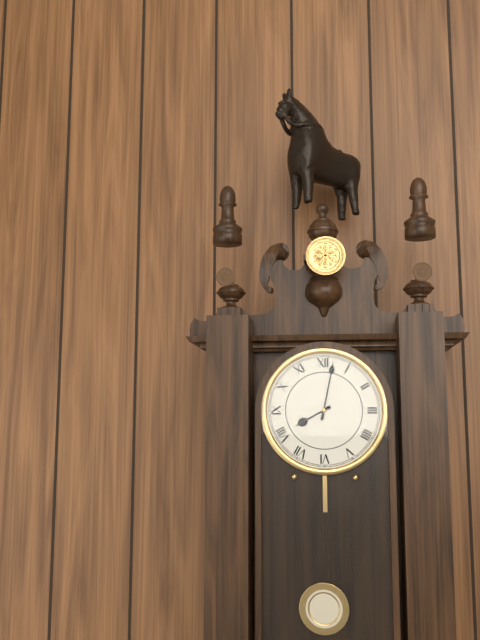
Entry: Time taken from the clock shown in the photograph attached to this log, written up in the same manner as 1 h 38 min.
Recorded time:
8 h 02 min
